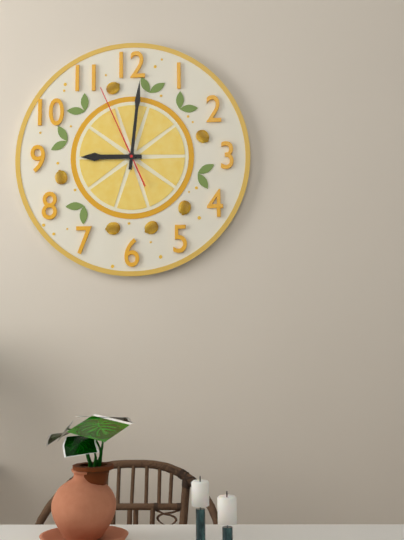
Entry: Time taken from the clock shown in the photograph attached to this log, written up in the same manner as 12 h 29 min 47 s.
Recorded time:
9 h 01 min 56 s
